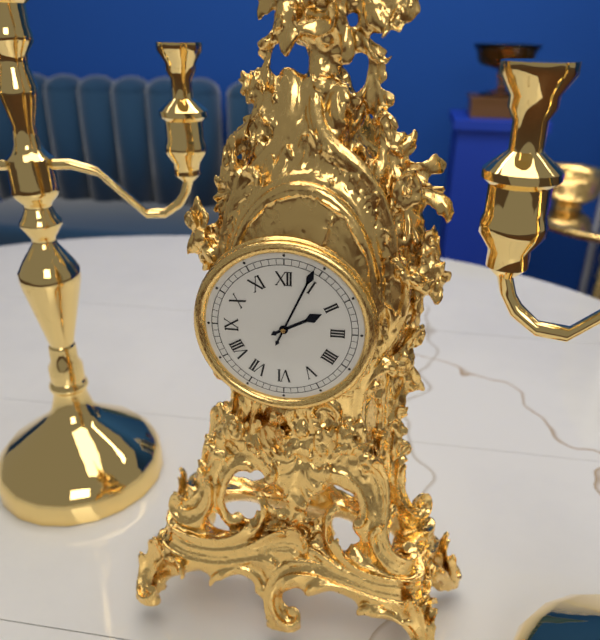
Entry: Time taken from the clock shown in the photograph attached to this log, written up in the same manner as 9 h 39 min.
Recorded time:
2 h 04 min
